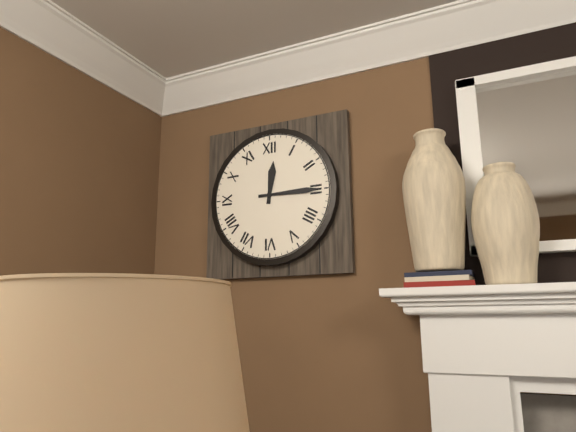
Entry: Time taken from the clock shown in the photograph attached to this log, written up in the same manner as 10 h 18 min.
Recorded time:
12 h 15 min
